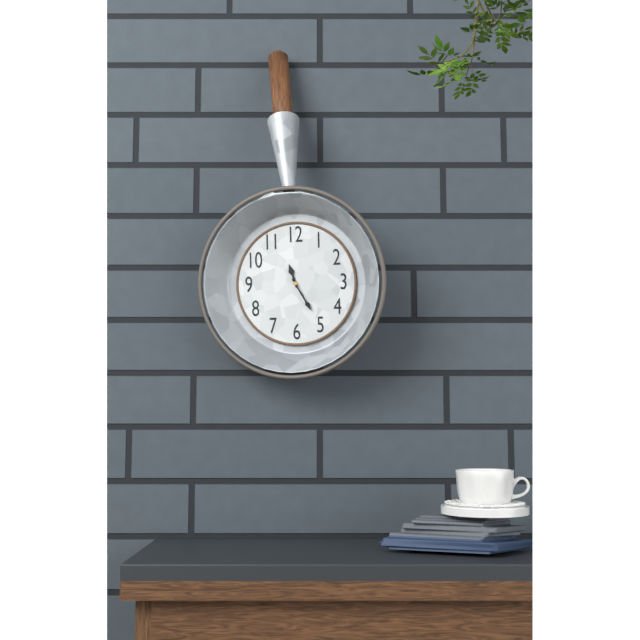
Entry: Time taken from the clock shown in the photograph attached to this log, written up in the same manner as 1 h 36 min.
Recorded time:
11 h 25 min
